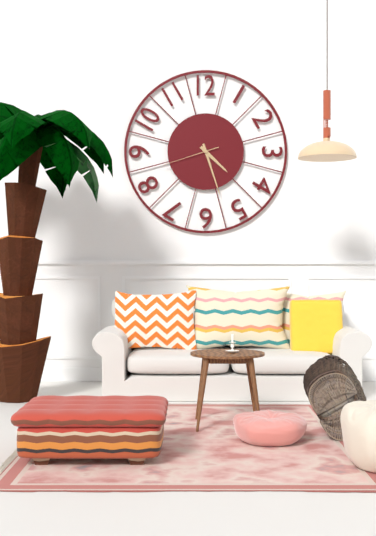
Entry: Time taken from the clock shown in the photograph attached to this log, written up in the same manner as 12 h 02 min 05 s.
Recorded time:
4 h 27 min 42 s
